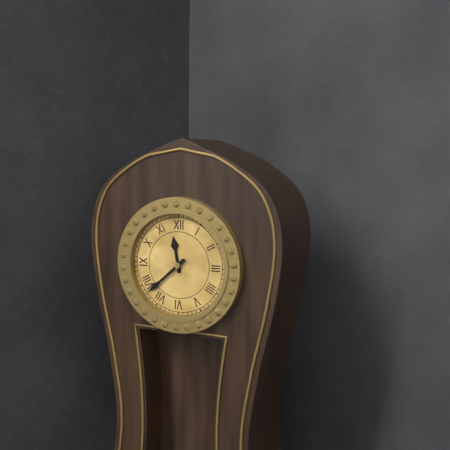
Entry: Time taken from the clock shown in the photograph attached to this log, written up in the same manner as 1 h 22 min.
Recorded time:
11 h 38 min
